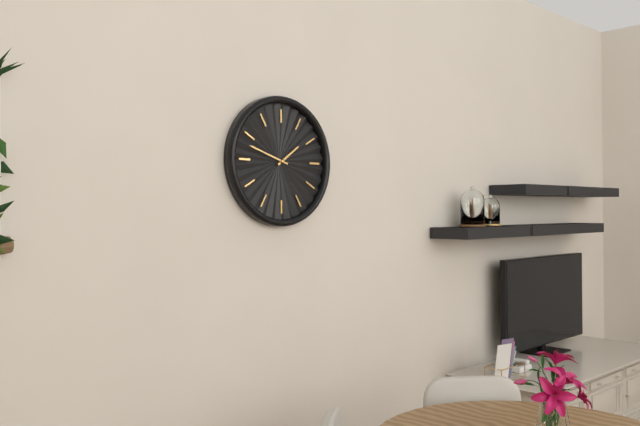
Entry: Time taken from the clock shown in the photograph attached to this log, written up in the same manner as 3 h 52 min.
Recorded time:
1 h 48 min
